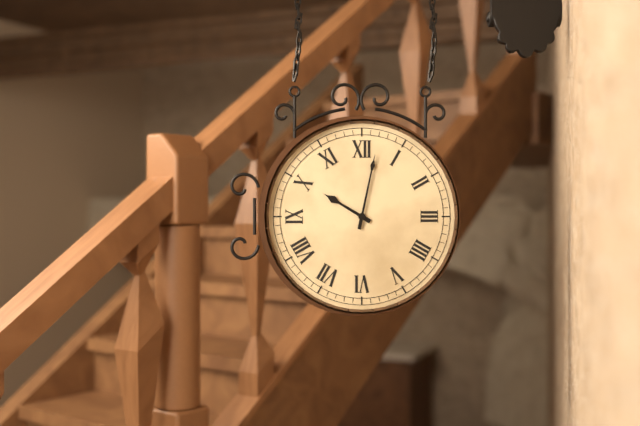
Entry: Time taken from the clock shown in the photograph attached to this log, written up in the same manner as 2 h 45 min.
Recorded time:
10 h 02 min
